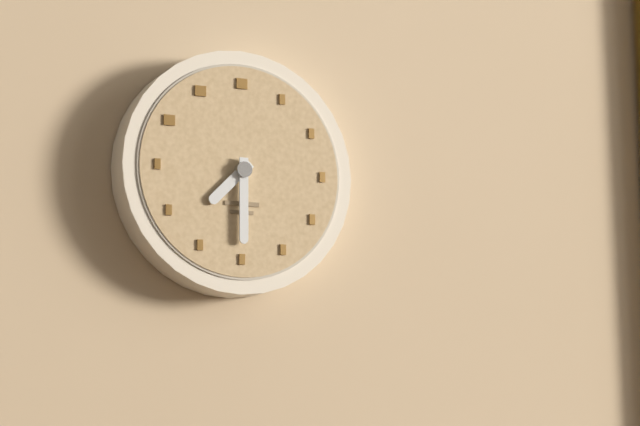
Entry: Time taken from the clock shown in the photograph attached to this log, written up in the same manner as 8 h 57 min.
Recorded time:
7 h 30 min
